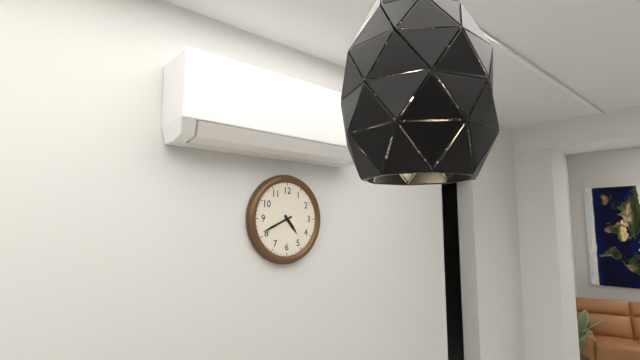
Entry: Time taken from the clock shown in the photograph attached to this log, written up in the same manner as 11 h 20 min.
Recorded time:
4 h 41 min
